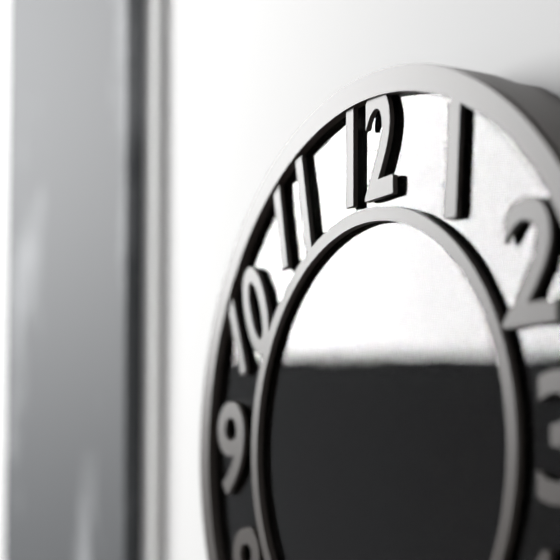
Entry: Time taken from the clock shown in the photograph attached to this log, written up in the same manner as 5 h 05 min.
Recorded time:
10 h 08 min
